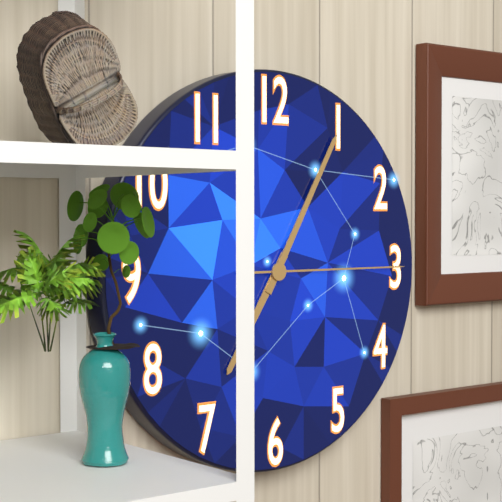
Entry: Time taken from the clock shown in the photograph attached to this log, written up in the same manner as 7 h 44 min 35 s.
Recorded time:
7 h 05 min 15 s
